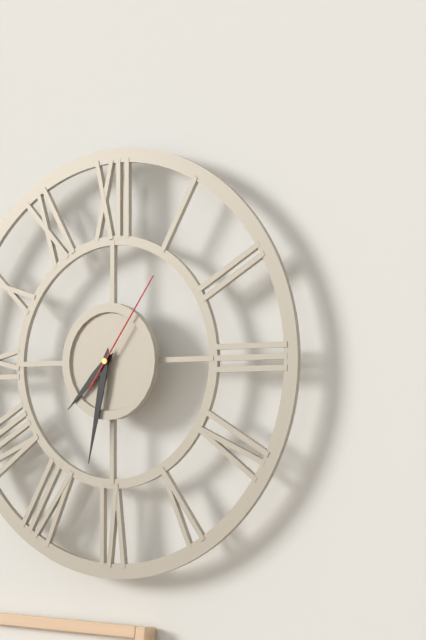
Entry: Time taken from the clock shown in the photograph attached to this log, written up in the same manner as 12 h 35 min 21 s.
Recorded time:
7 h 32 min 06 s
